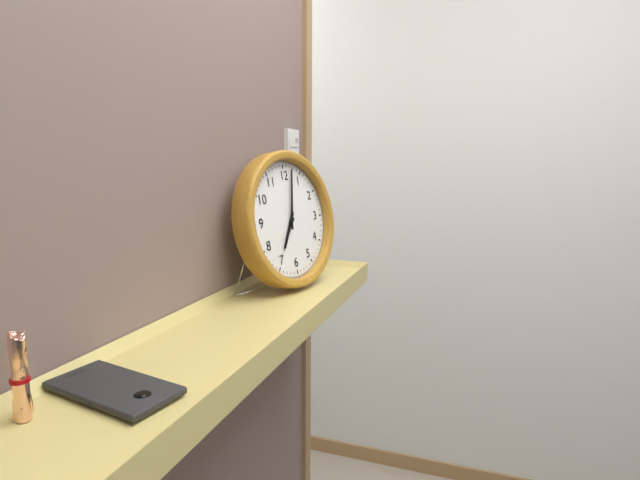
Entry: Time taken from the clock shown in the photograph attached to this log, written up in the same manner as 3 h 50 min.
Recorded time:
7 h 02 min
